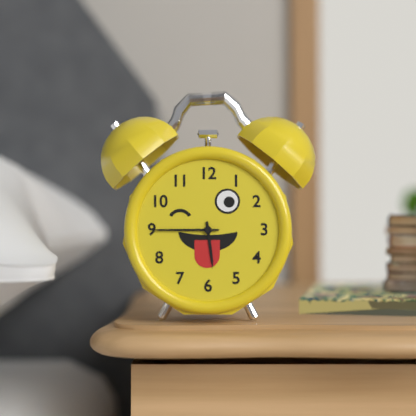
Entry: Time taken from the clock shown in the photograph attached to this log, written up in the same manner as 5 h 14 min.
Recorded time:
5 h 45 min
